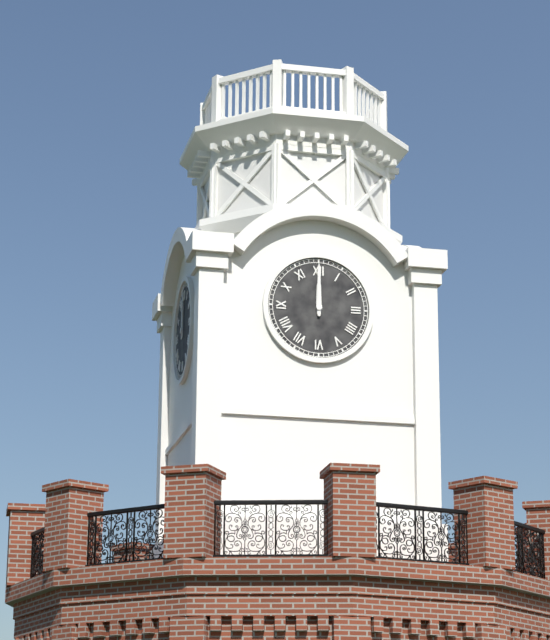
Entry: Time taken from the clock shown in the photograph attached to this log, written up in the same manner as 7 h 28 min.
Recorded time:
12 h 00 min
